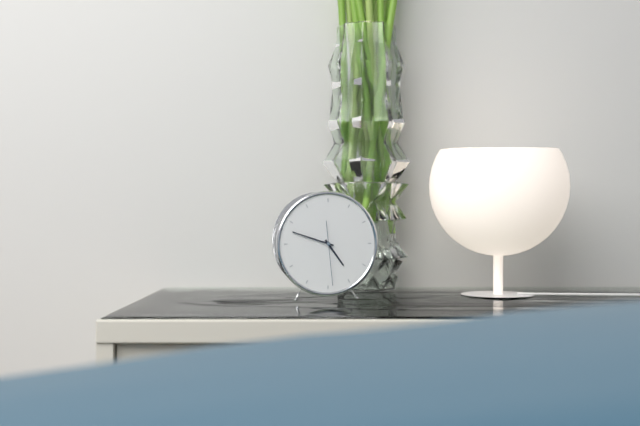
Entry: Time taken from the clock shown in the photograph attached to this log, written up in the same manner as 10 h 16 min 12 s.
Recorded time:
4 h 48 min 29 s
